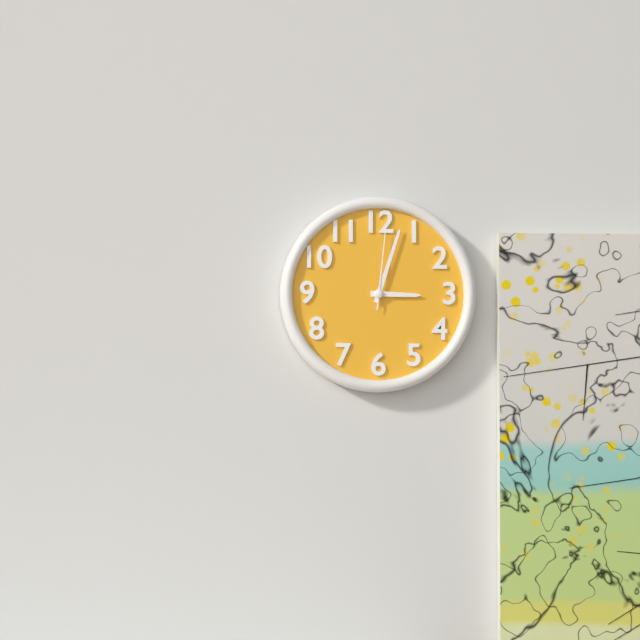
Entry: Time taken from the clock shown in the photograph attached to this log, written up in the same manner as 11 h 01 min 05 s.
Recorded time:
3 h 03 min 01 s
